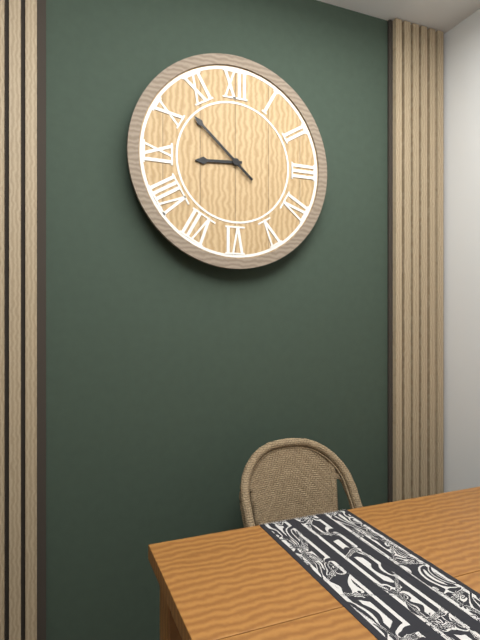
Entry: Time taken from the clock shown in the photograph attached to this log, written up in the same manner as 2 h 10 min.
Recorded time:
8 h 52 min
